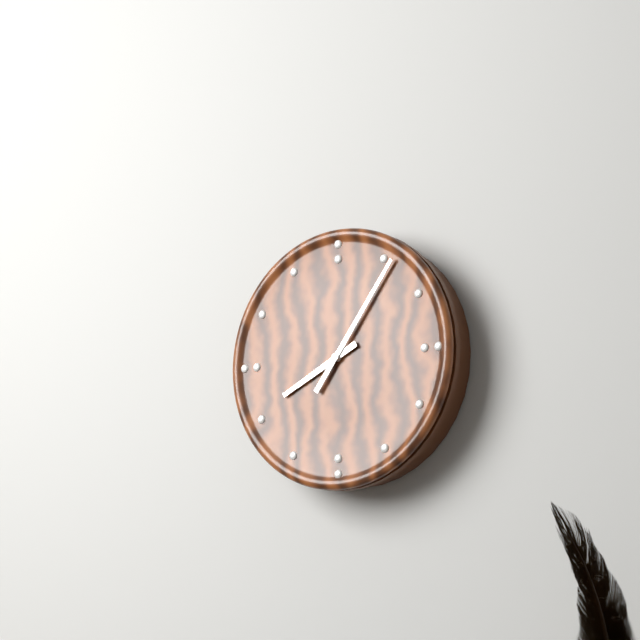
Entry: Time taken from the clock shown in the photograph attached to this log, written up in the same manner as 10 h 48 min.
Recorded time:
8 h 06 min
